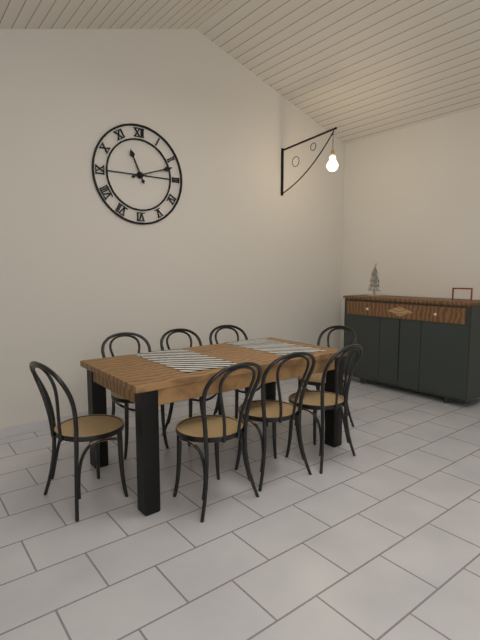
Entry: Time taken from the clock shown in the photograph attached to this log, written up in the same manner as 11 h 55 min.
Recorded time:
11 h 12 min
